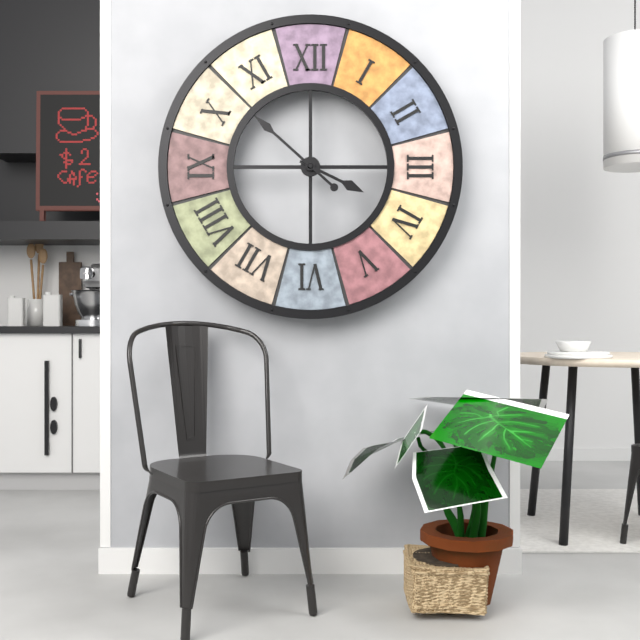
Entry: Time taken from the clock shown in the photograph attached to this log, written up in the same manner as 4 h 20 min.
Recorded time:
3 h 52 min
